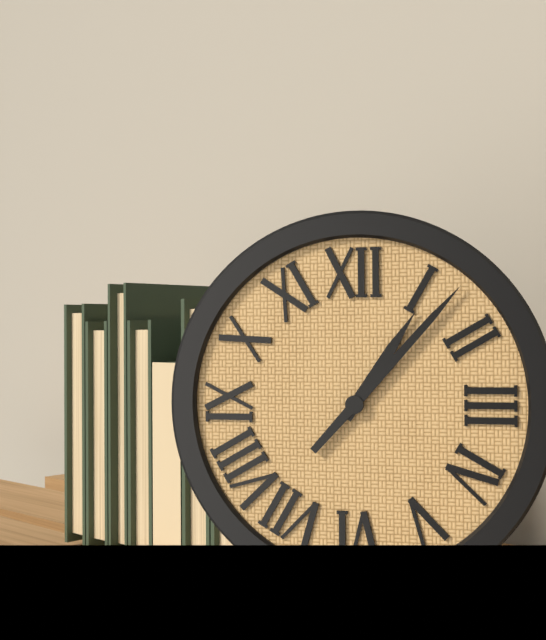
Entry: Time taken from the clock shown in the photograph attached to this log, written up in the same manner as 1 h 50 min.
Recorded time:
1 h 07 min
